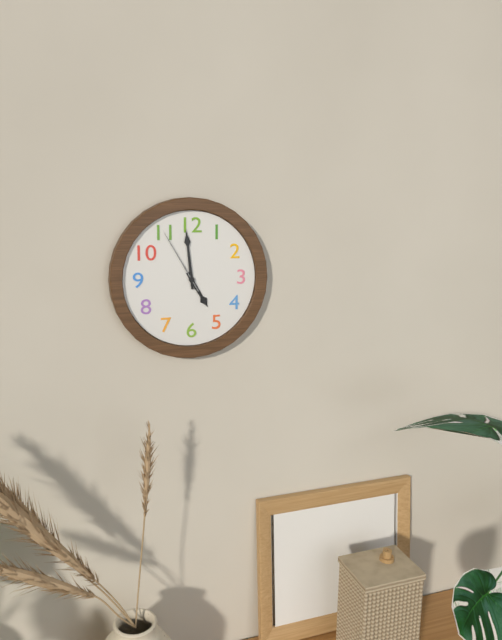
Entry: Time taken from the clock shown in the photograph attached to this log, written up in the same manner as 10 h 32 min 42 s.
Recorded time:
4 h 59 min 55 s
